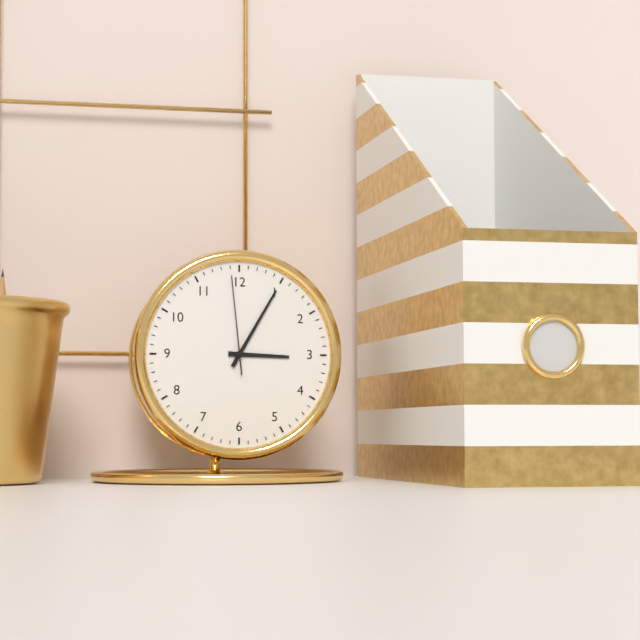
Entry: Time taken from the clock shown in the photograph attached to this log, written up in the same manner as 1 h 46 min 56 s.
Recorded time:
3 h 05 min 59 s
